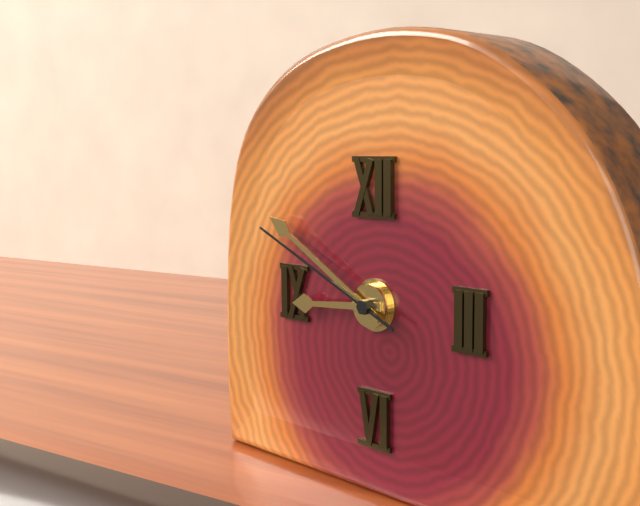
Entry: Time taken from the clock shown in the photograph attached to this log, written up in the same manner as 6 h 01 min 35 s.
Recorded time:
8 h 50 min 49 s
